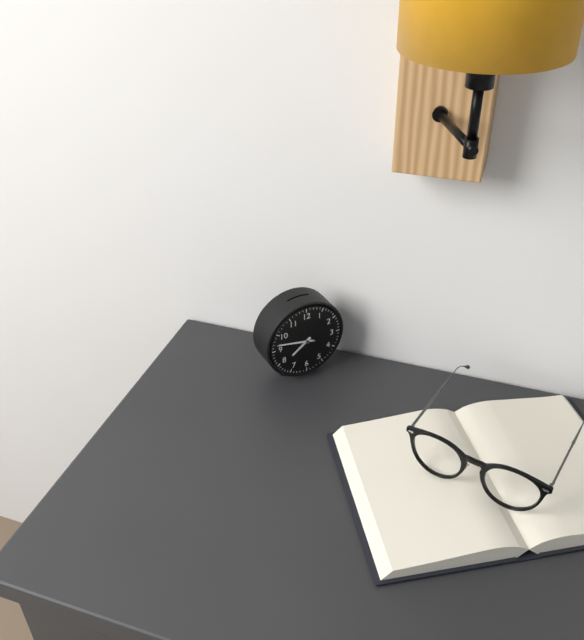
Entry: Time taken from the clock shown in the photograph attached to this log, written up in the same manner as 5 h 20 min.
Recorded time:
7 h 47 min
